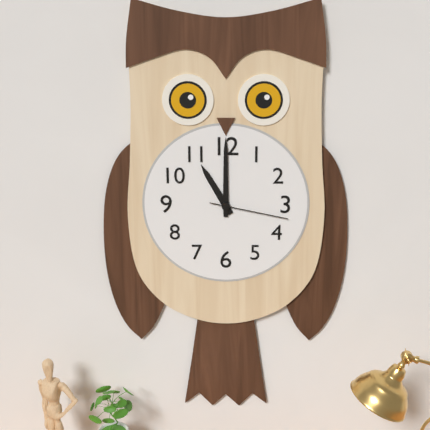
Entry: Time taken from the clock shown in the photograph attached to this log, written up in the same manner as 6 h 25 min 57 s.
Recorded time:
11 h 00 min 17 s
